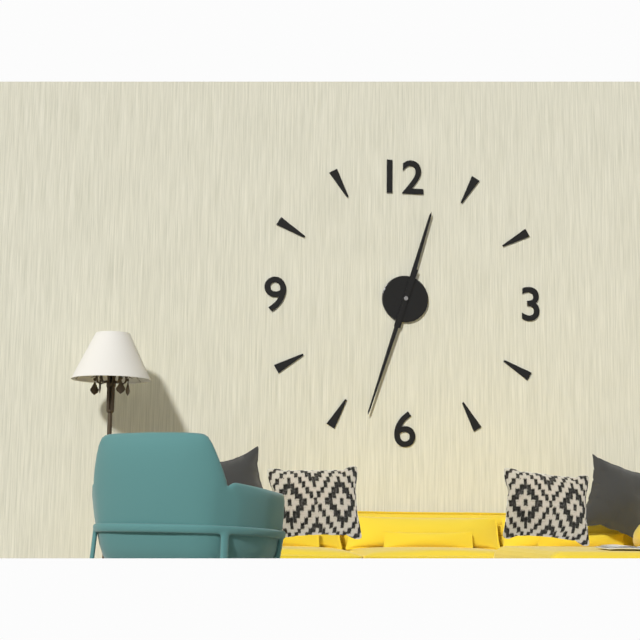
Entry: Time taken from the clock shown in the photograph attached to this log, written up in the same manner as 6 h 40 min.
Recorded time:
12 h 33 min
